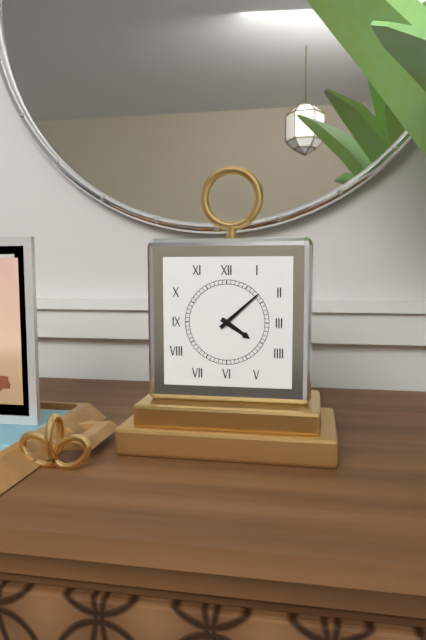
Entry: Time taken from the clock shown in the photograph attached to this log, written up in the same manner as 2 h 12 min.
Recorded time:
4 h 08 min
